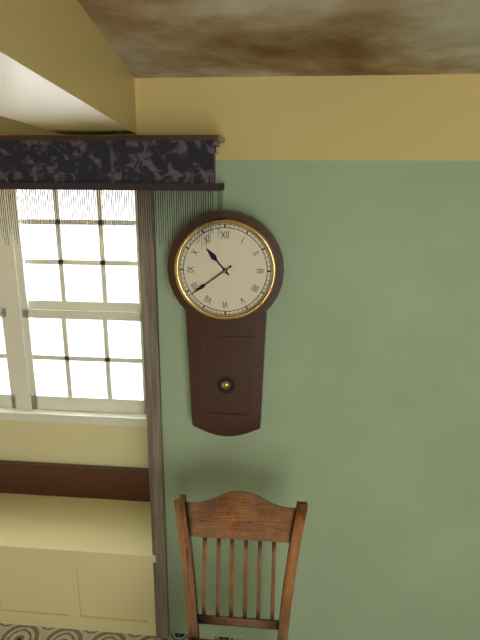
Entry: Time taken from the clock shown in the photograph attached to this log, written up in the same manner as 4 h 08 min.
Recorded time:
10 h 39 min
